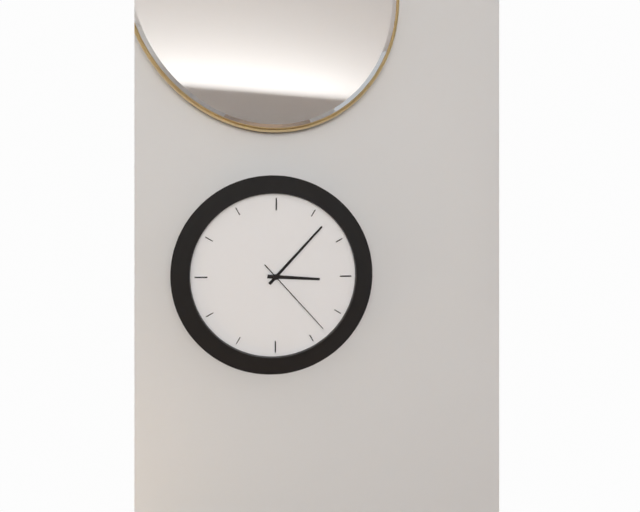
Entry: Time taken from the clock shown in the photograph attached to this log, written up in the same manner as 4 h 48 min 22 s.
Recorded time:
3 h 07 min 23 s
